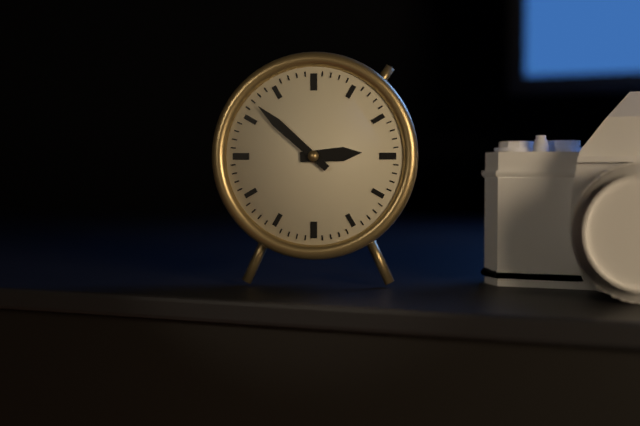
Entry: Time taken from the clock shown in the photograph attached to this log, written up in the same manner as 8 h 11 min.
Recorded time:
2 h 52 min
